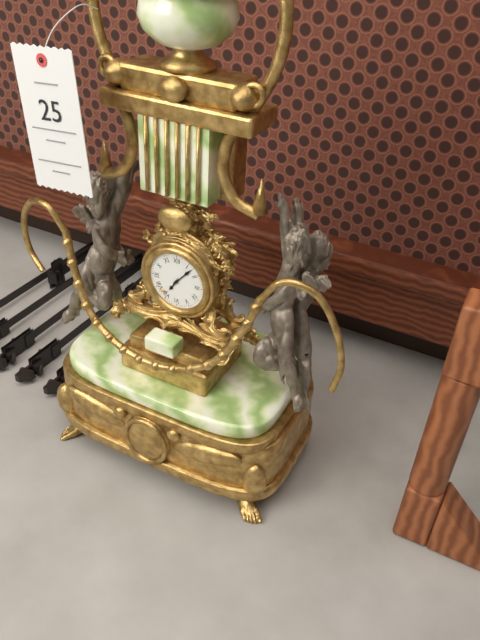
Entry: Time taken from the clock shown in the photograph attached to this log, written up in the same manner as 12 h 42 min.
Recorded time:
7 h 07 min
